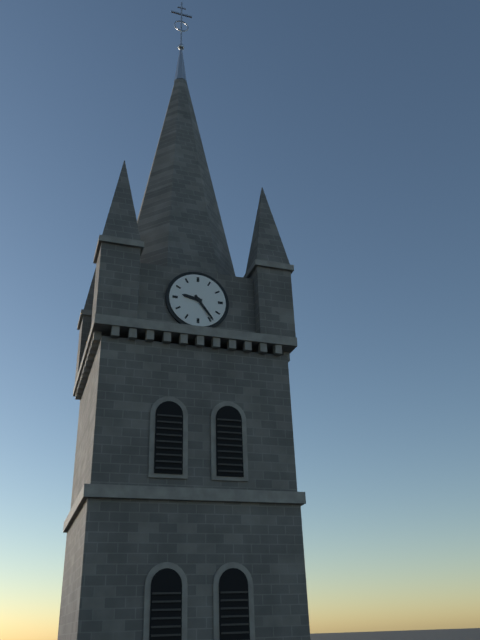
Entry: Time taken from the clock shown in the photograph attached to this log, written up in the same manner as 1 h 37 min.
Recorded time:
9 h 24 min
